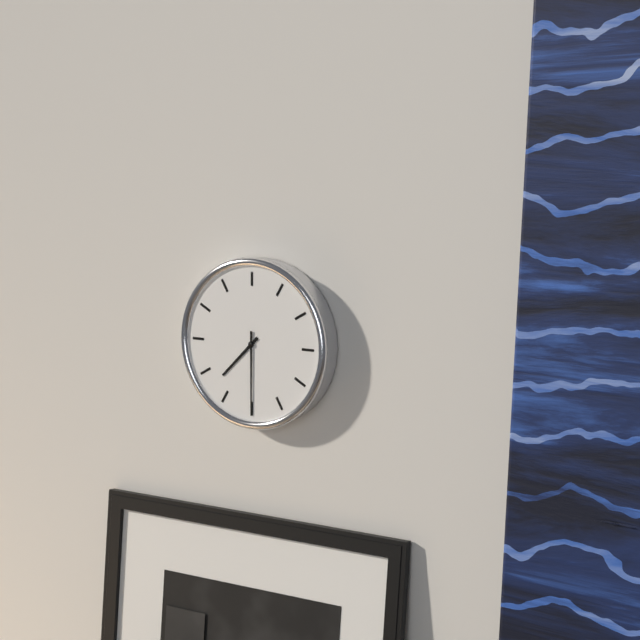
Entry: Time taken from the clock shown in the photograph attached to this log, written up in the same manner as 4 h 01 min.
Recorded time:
7 h 30 min
